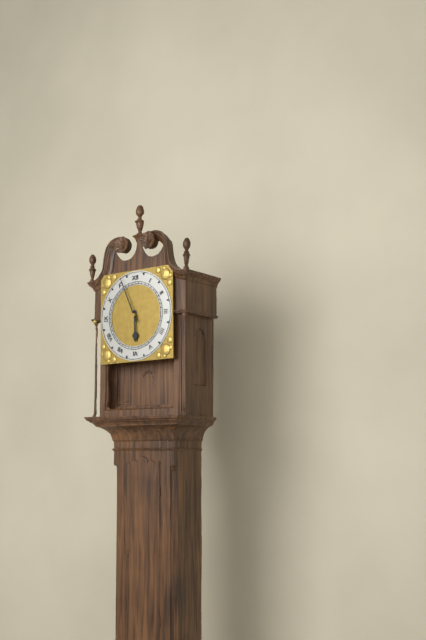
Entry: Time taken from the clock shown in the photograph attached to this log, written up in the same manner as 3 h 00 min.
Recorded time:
5 h 56 min
